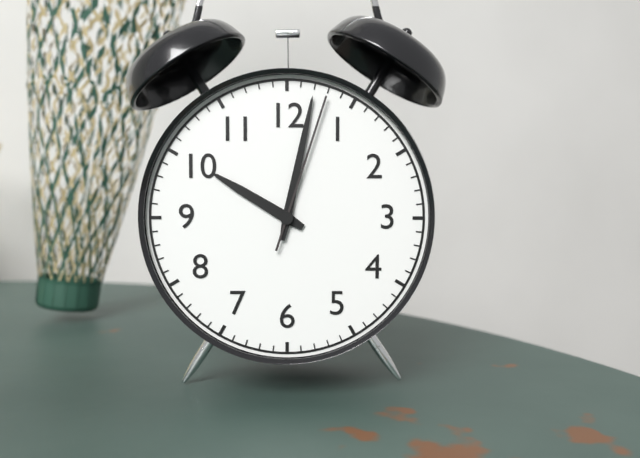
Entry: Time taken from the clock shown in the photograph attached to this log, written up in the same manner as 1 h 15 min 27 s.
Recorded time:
10 h 02 min 03 s
